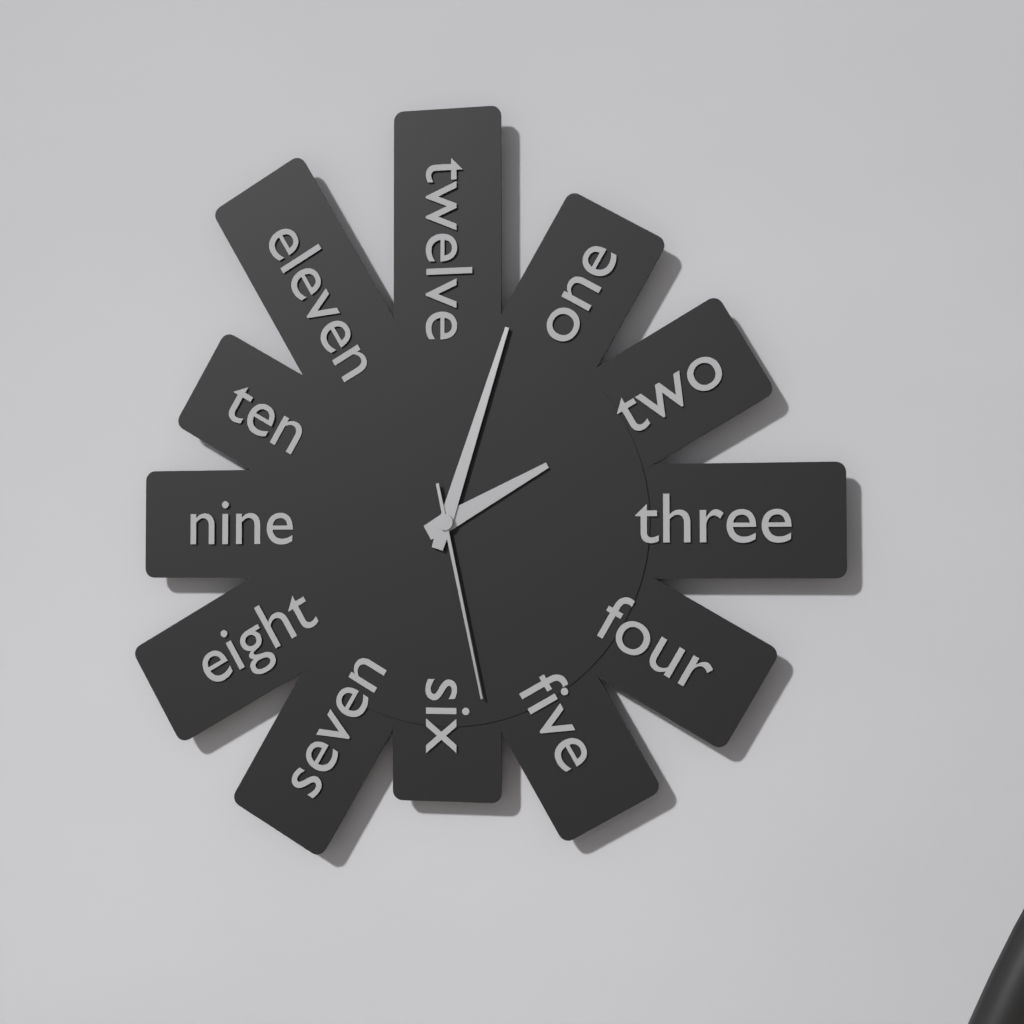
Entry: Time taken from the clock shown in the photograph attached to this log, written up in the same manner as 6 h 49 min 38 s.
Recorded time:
2 h 03 min 28 s
